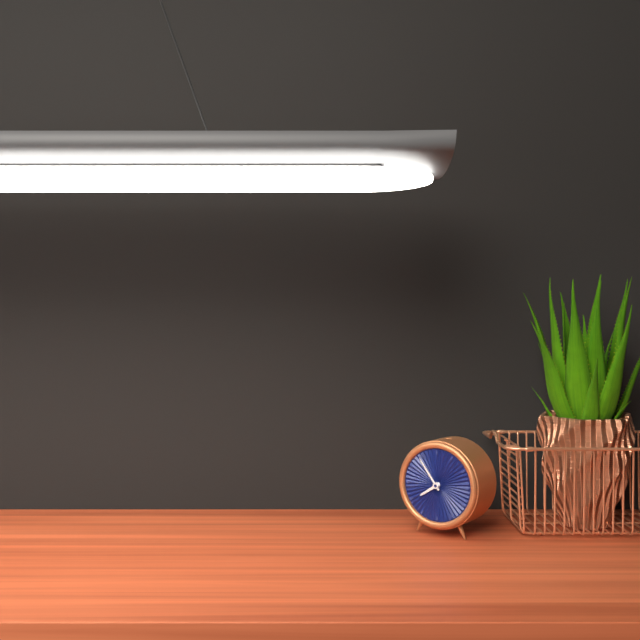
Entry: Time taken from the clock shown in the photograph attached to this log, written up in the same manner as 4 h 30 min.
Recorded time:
7 h 54 min
